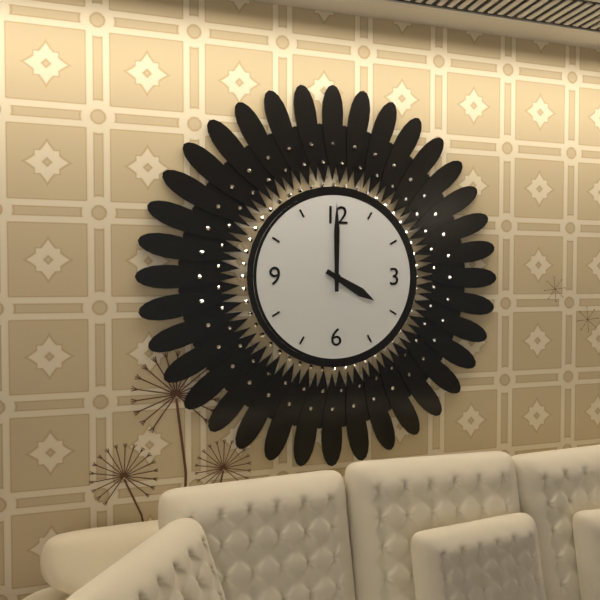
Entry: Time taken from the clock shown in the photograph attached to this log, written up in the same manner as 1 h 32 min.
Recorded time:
4 h 00 min
